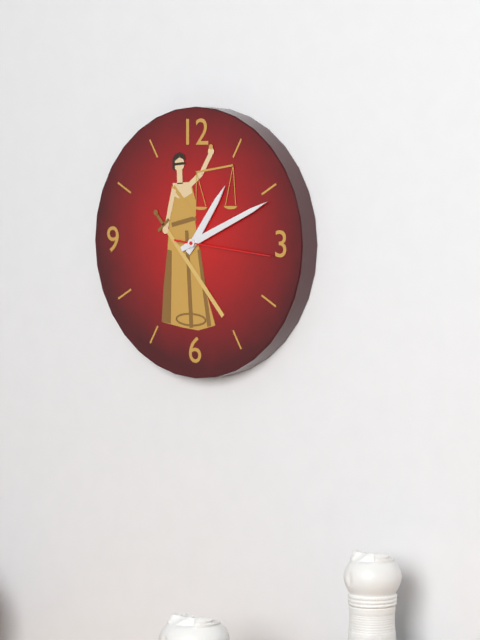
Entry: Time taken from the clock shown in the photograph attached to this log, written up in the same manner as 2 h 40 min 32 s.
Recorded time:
1 h 11 min 16 s
